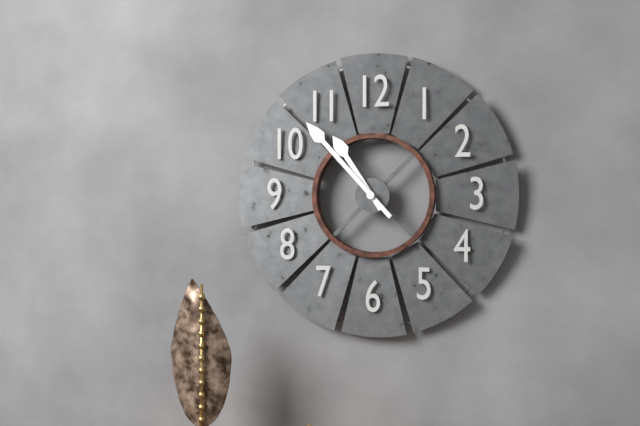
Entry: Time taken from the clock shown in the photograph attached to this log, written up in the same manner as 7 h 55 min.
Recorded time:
10 h 53 min
